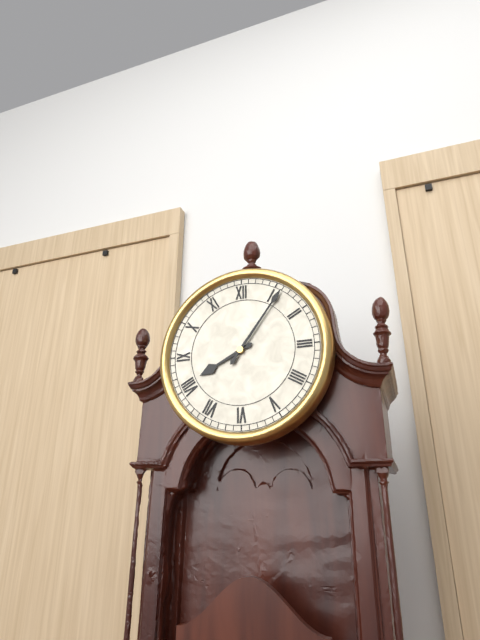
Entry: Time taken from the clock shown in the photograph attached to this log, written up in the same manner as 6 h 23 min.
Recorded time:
8 h 06 min
